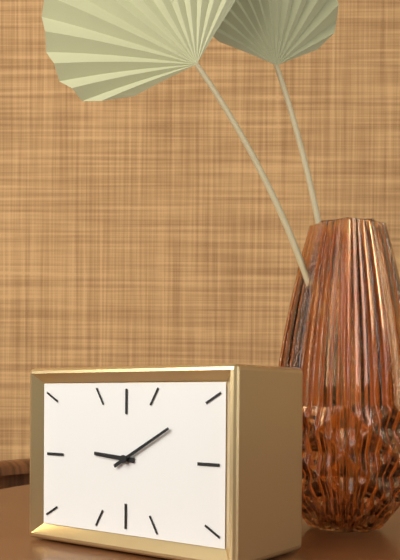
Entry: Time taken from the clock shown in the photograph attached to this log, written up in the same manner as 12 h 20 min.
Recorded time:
9 h 10 min
